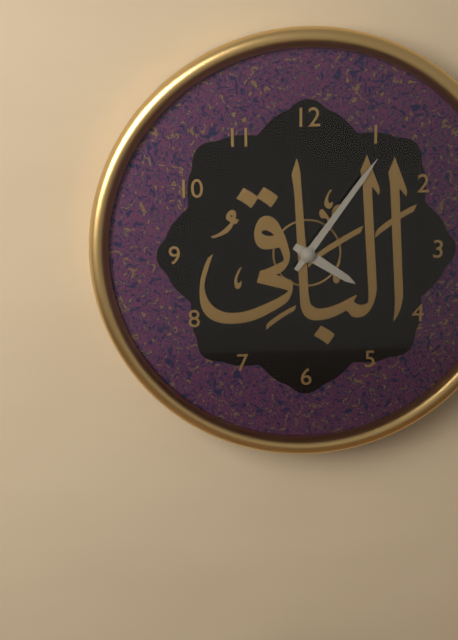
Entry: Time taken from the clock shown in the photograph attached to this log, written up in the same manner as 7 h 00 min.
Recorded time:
4 h 06 min
